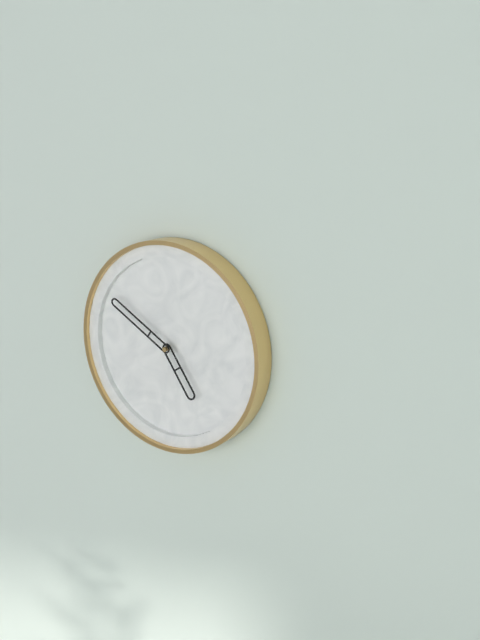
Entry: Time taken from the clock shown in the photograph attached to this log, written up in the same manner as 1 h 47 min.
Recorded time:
4 h 50 min
